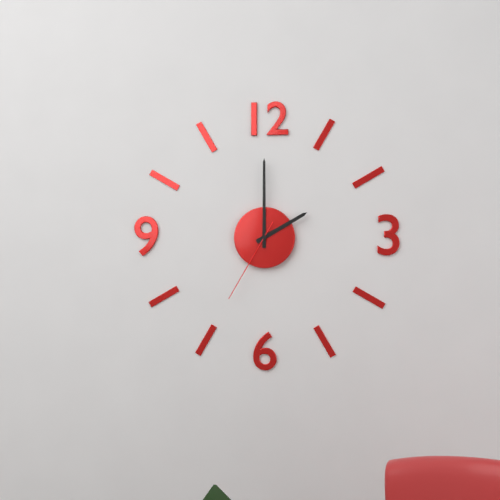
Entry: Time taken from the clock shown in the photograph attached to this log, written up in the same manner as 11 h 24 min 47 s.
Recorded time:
2 h 00 min 35 s
